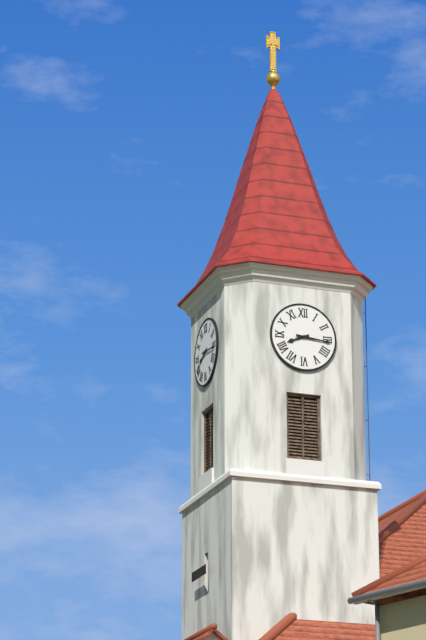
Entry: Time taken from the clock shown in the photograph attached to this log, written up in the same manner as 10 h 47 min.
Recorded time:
8 h 16 min
